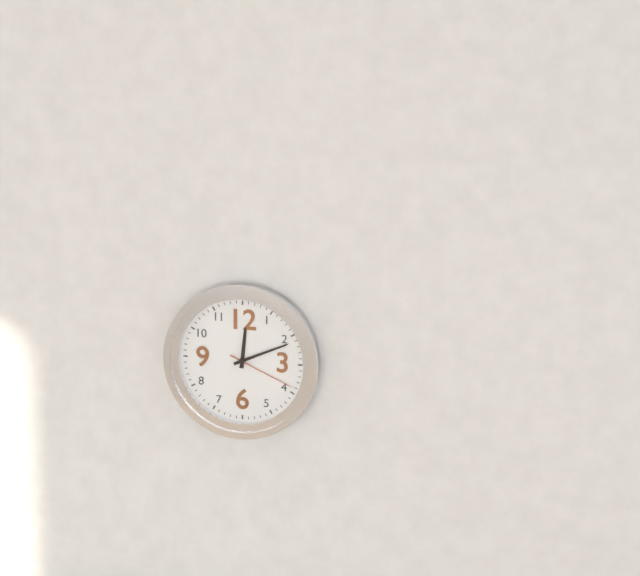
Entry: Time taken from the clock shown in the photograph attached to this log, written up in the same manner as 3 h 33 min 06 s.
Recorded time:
12 h 11 min 19 s
